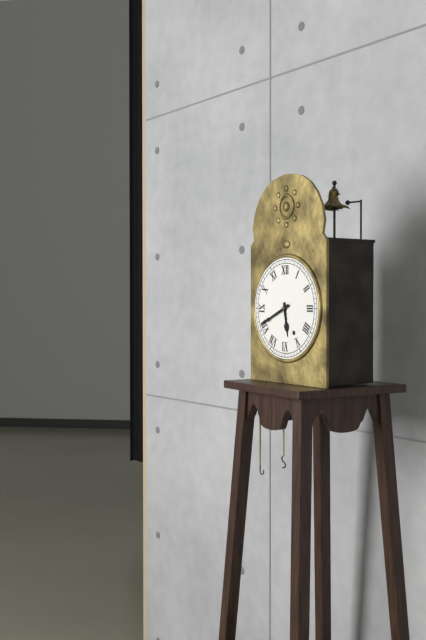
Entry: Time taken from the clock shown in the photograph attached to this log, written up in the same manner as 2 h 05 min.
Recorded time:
5 h 41 min
